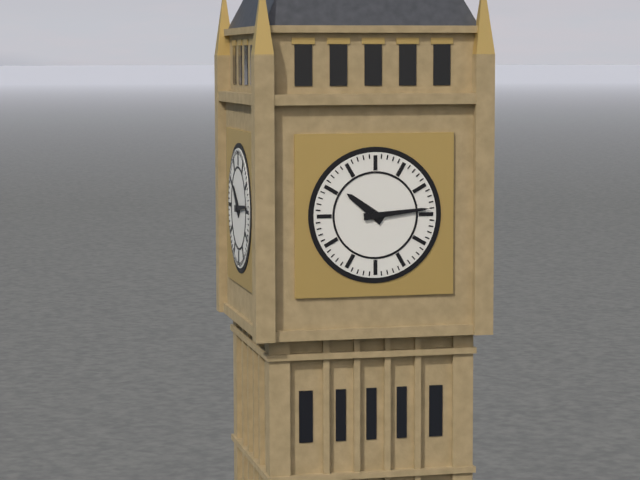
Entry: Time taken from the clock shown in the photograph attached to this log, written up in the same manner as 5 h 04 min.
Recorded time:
10 h 14 min
